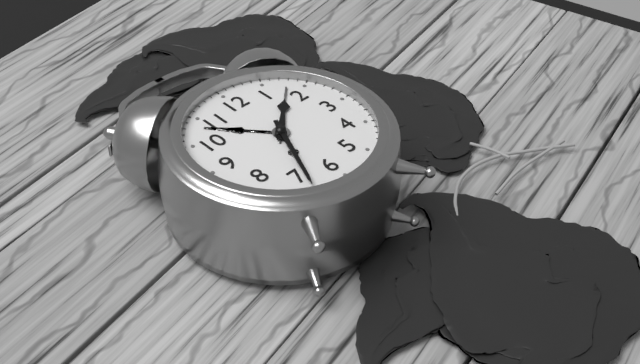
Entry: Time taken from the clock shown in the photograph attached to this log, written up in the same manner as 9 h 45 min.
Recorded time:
1 h 34 min
